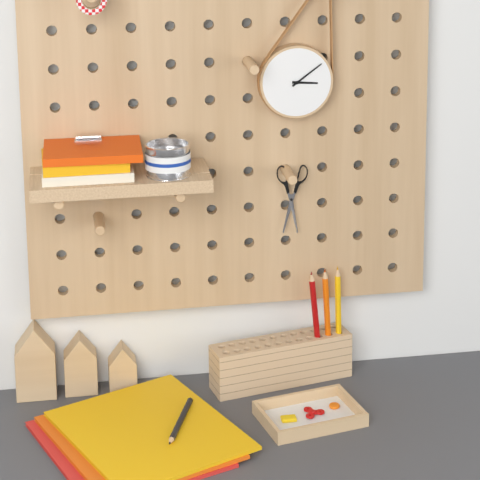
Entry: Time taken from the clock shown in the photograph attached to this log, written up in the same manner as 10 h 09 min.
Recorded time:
3 h 09 min
